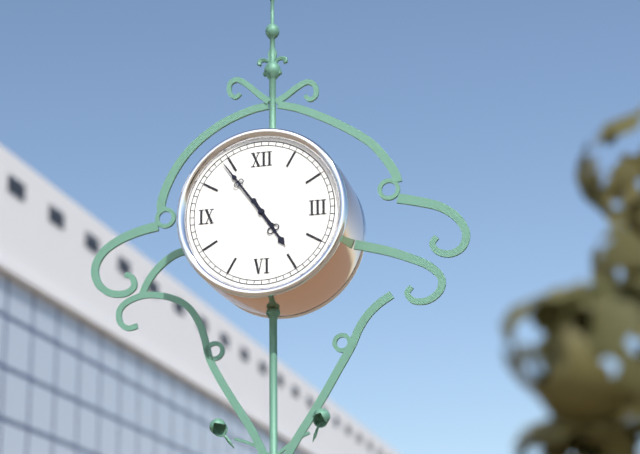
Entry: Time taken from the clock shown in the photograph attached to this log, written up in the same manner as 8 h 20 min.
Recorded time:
4 h 54 min
